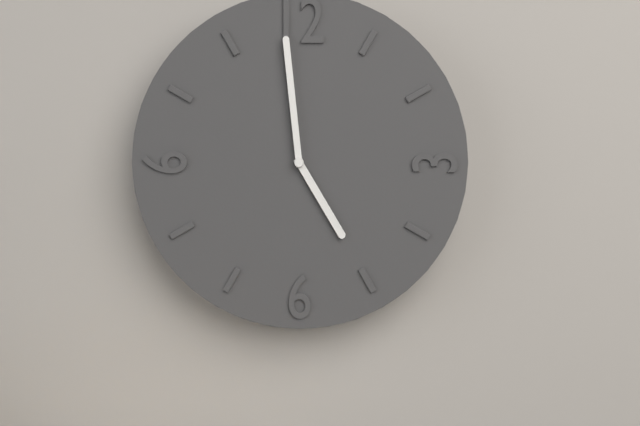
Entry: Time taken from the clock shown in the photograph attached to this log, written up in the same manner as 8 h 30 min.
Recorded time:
4 h 59 min
